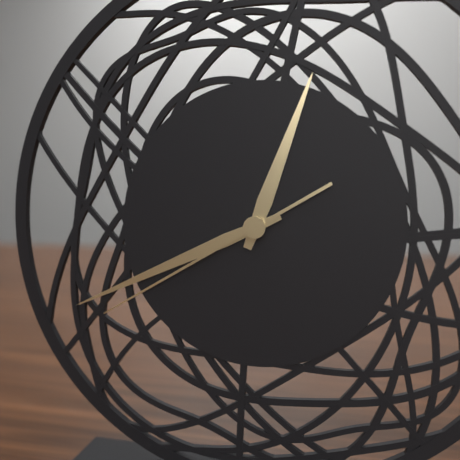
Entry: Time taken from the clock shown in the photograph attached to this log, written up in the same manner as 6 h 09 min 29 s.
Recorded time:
12 h 41 min 40 s
